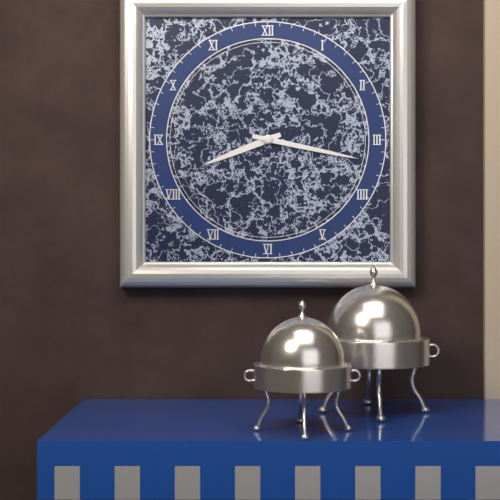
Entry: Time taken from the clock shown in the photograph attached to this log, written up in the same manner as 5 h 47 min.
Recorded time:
8 h 17 min
